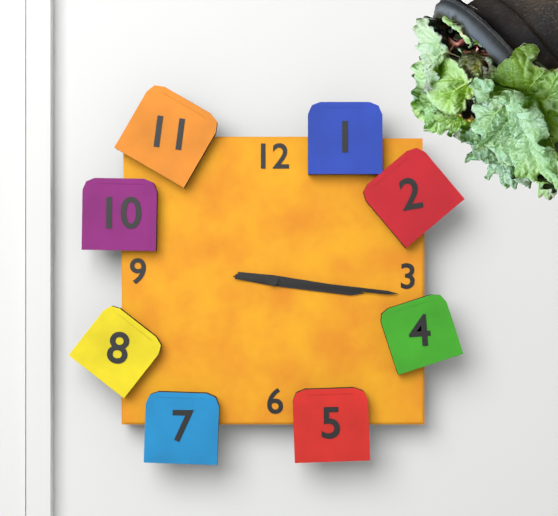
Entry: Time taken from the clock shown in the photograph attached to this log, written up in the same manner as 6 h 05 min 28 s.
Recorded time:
3 h 16 min 16 s
